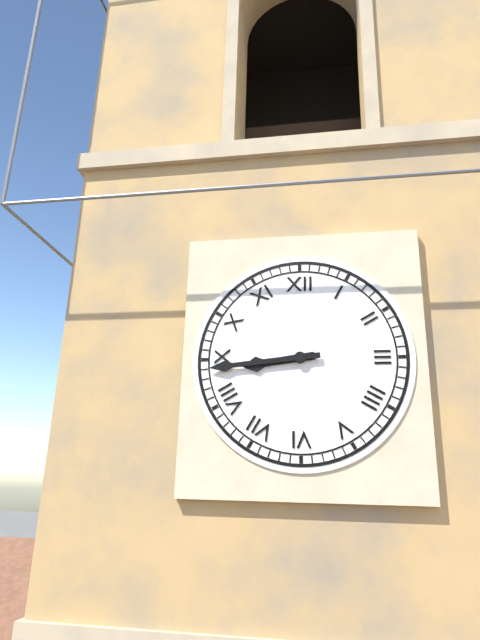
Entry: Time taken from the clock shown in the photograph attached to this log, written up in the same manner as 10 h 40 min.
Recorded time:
8 h 44 min
